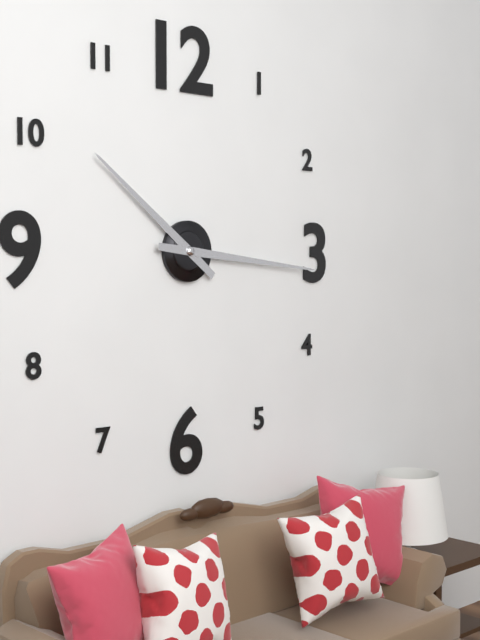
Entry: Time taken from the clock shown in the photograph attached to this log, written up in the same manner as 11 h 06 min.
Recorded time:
10 h 16 min
